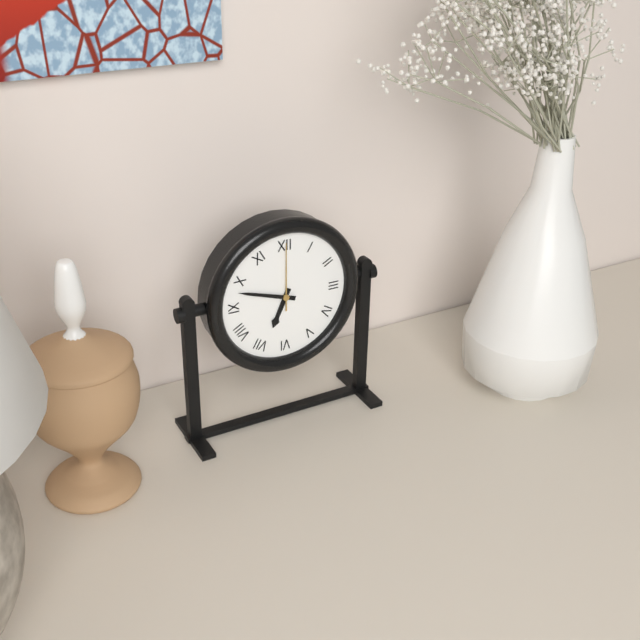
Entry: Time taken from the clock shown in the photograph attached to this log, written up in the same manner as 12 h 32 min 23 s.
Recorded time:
6 h 48 min 00 s
